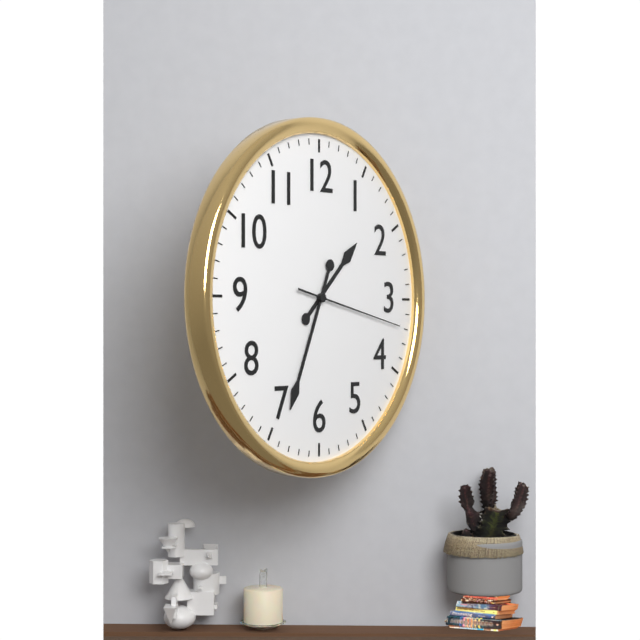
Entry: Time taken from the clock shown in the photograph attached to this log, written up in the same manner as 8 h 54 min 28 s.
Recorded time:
1 h 34 min 17 s
